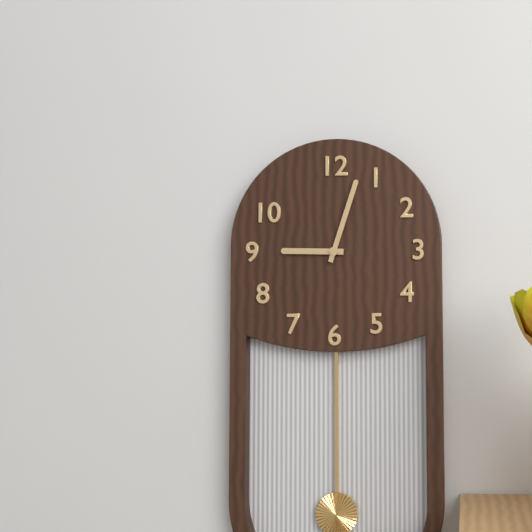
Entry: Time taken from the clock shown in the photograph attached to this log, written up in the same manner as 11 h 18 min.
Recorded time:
9 h 03 min
